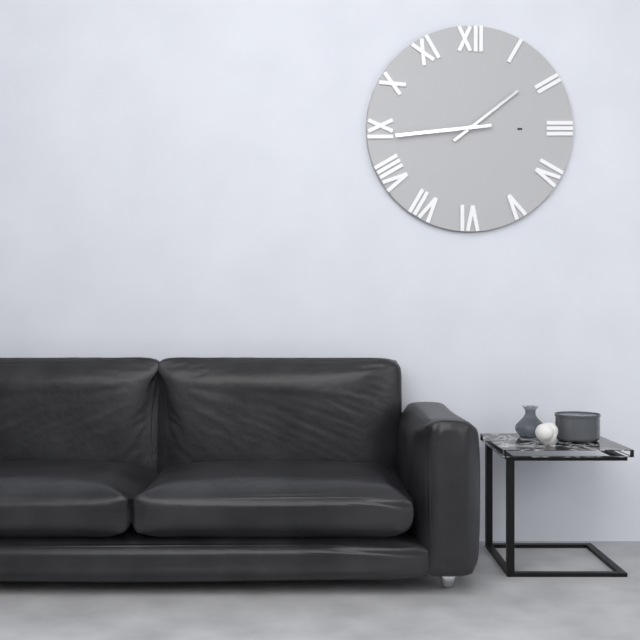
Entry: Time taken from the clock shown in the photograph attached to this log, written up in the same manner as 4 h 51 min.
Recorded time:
1 h 44 min
